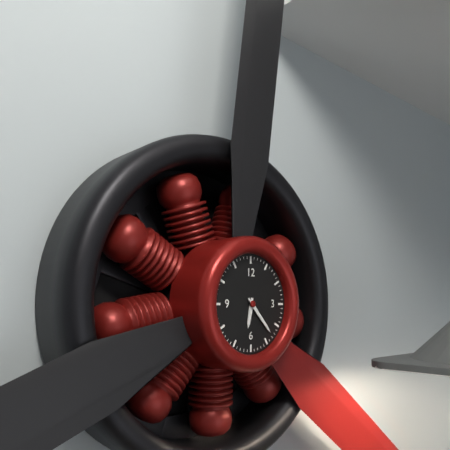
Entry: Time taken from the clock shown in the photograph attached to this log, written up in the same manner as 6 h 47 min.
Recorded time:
6 h 23 min
